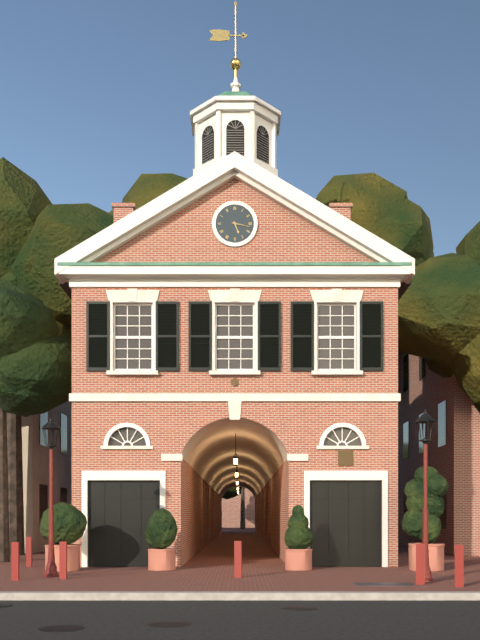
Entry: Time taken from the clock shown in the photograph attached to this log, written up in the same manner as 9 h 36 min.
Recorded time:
5 h 17 min
